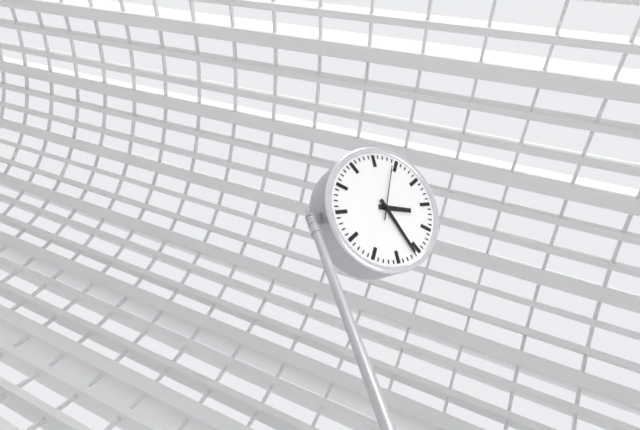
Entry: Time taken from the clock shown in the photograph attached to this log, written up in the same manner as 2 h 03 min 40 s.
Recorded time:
2 h 21 min 59 s
